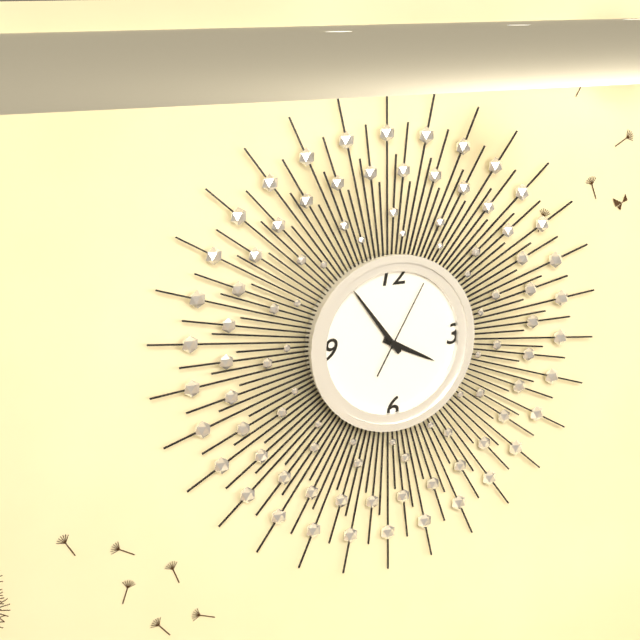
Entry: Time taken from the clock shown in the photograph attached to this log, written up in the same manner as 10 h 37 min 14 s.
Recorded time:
3 h 54 min 05 s
